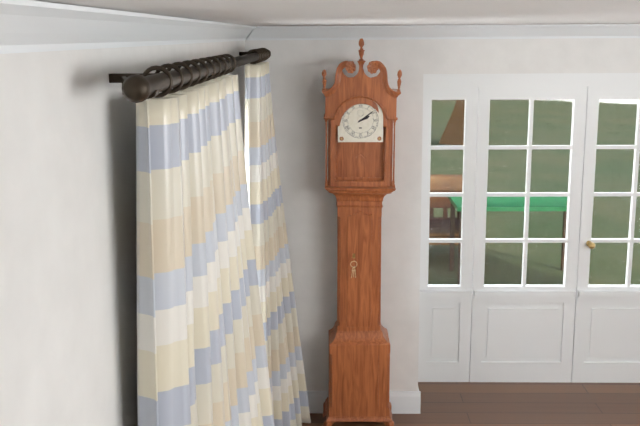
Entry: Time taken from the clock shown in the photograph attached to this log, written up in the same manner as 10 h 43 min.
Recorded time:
2 h 09 min
